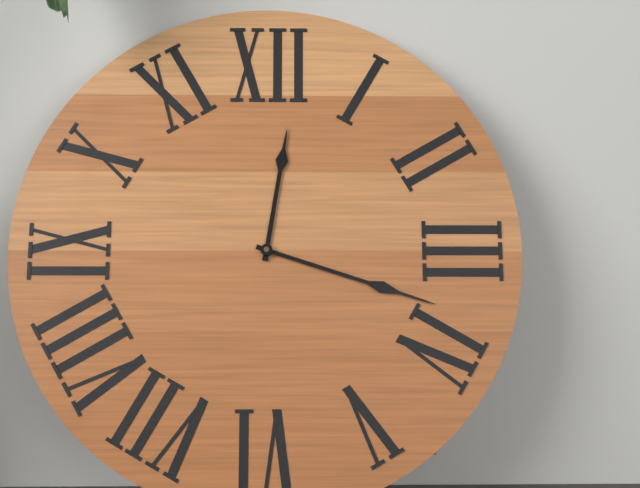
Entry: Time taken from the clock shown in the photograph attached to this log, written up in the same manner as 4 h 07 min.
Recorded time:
12 h 18 min
